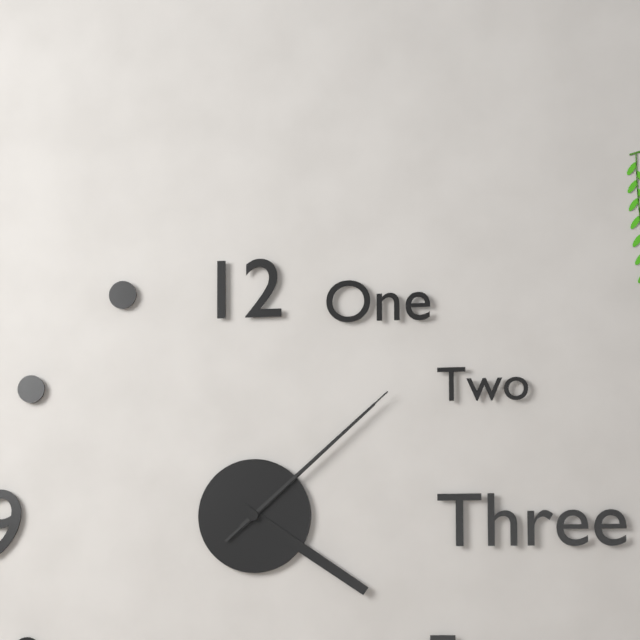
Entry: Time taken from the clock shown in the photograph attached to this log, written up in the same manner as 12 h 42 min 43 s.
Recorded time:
4 h 08 min 08 s
